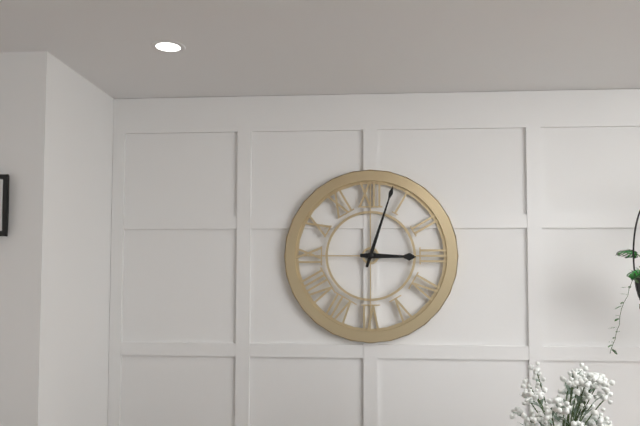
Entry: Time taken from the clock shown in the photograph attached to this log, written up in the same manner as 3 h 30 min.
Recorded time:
3 h 03 min
